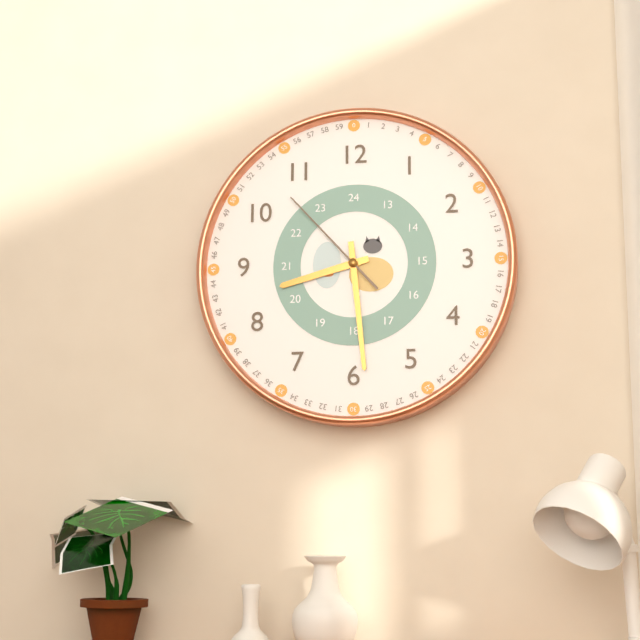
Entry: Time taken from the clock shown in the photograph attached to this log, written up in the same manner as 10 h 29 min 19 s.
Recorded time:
8 h 29 min 53 s
